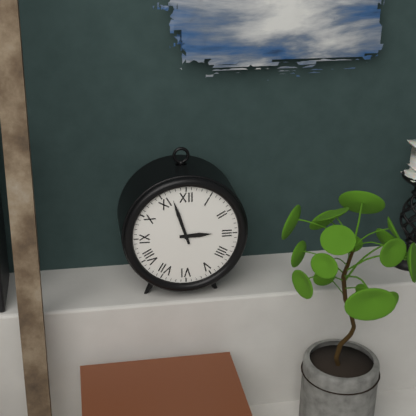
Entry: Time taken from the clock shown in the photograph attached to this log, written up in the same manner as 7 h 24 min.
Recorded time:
2 h 57 min
